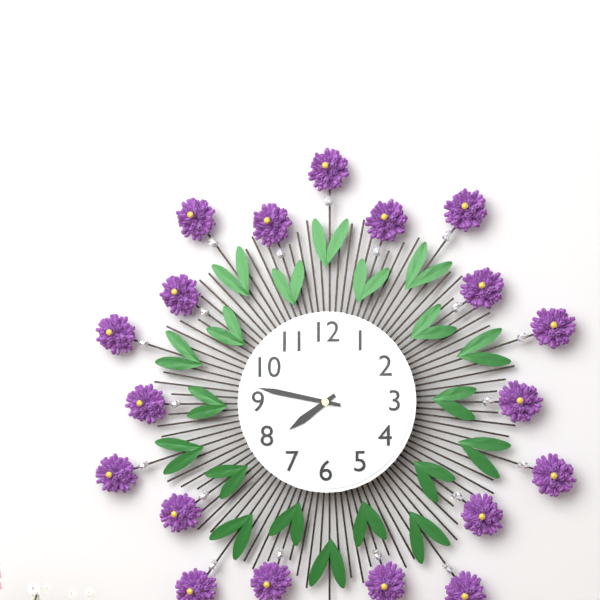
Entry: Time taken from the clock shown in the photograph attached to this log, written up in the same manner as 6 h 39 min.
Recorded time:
7 h 47 min
